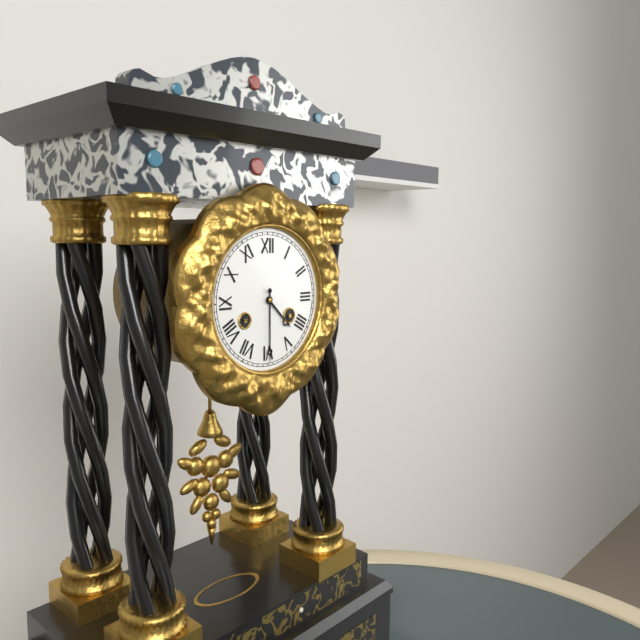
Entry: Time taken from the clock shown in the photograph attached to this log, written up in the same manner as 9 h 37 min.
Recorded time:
4 h 30 min
